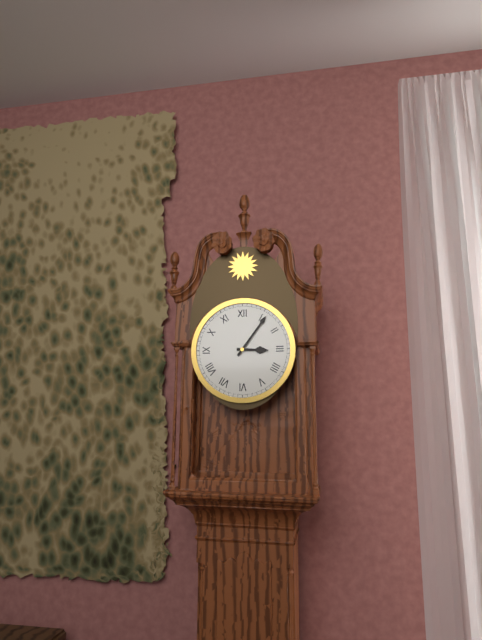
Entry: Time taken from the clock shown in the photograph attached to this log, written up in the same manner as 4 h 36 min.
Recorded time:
3 h 06 min
